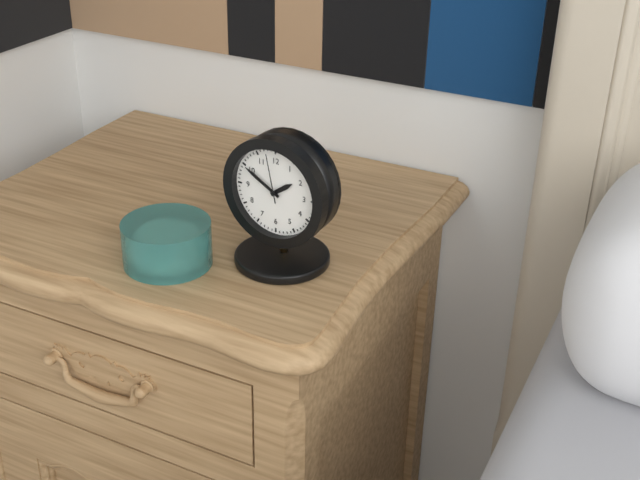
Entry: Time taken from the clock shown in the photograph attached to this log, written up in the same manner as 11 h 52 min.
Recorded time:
1 h 50 min
